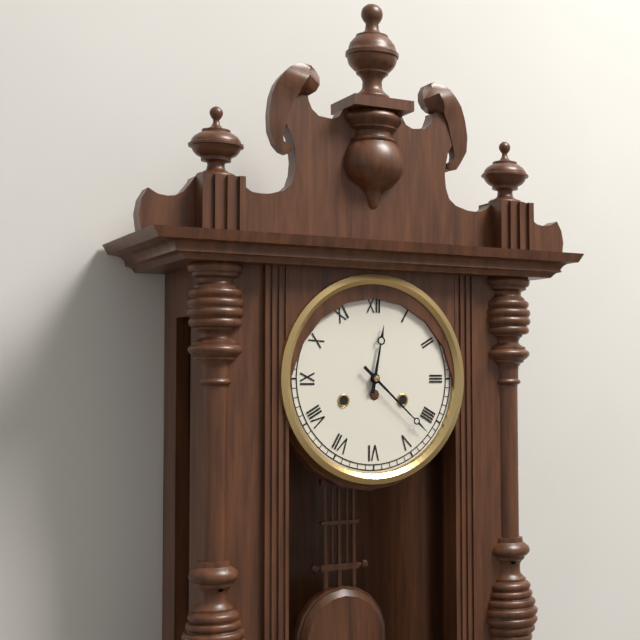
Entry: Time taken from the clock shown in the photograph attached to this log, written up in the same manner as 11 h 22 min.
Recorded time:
12 h 22 min
